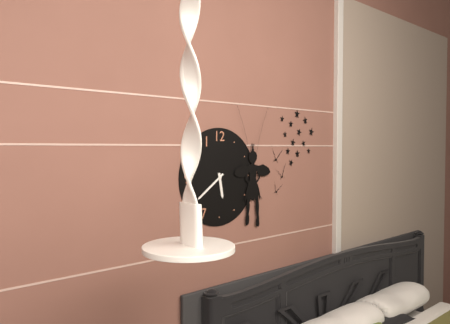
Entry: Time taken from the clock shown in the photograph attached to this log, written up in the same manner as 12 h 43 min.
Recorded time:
5 h 39 min
